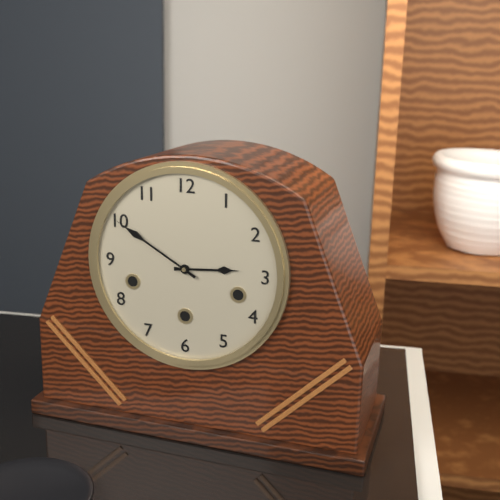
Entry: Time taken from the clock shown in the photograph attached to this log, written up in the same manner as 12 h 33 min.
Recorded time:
2 h 50 min
